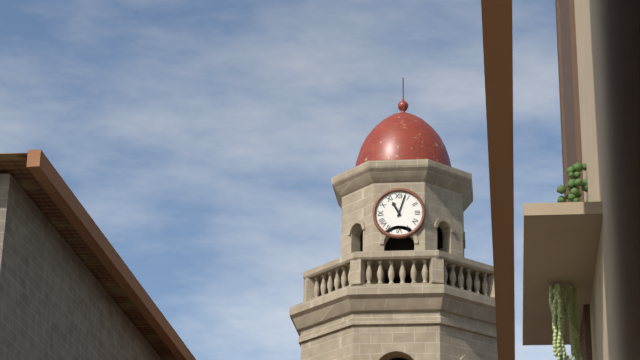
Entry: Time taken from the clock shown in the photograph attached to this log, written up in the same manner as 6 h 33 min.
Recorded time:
11 h 03 min
